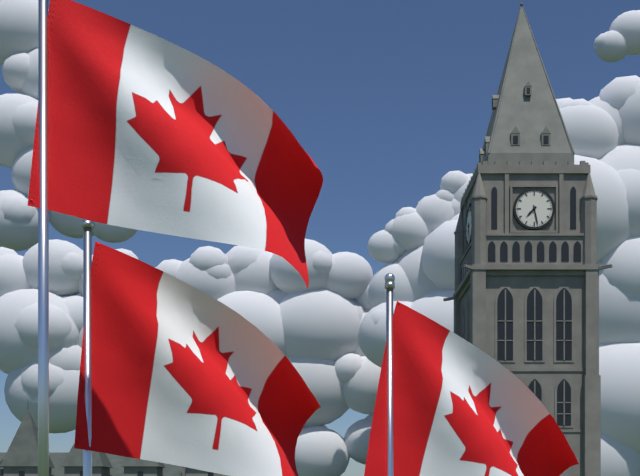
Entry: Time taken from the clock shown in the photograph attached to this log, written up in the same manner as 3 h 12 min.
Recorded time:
7 h 28 min
